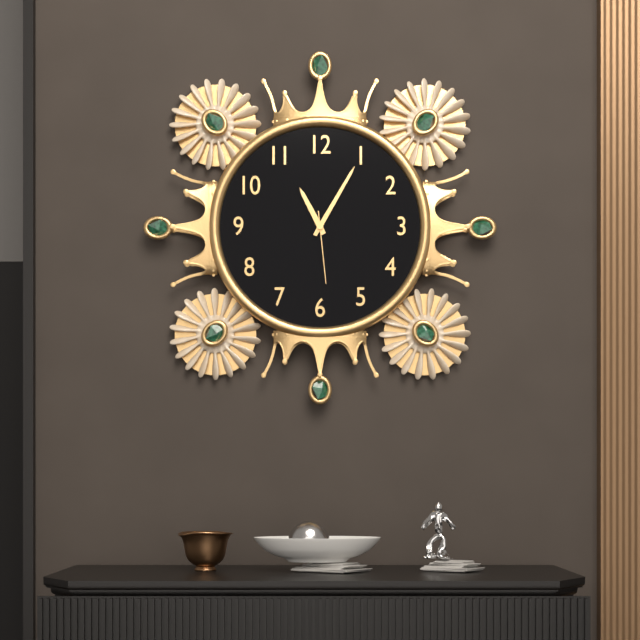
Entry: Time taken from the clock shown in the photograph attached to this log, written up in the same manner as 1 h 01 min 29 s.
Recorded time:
11 h 05 min 29 s
